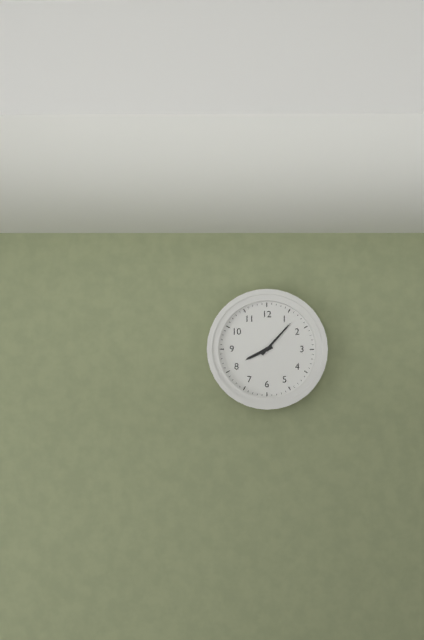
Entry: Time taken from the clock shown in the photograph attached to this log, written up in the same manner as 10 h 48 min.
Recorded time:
8 h 07 min
